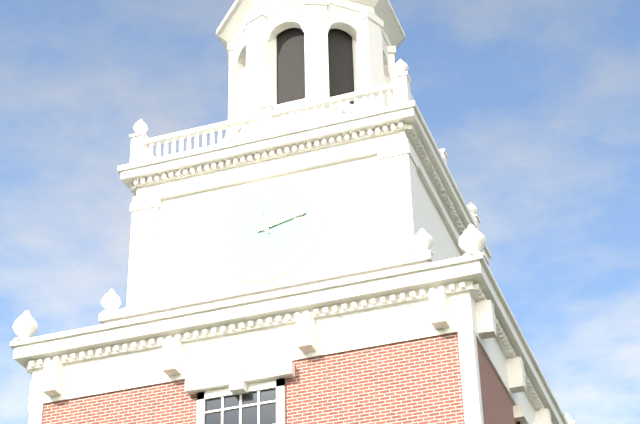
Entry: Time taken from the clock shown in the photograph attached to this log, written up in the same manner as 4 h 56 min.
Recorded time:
11 h 13 min
